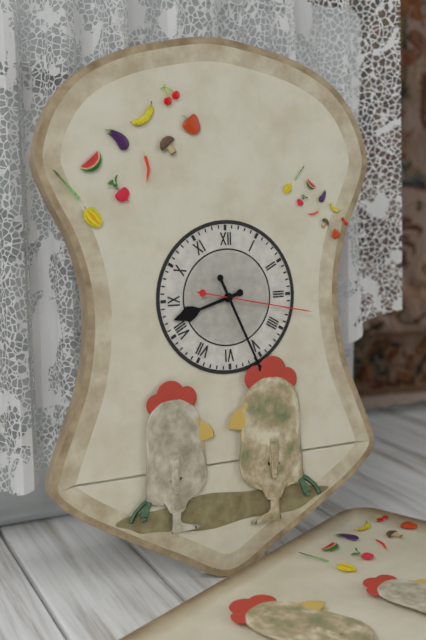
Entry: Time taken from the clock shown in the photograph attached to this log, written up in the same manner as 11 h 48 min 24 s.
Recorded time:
8 h 26 min 17 s
